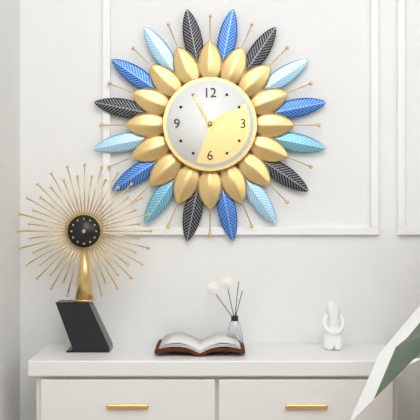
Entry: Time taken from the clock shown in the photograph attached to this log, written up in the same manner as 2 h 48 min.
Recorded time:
1 h 55 min
